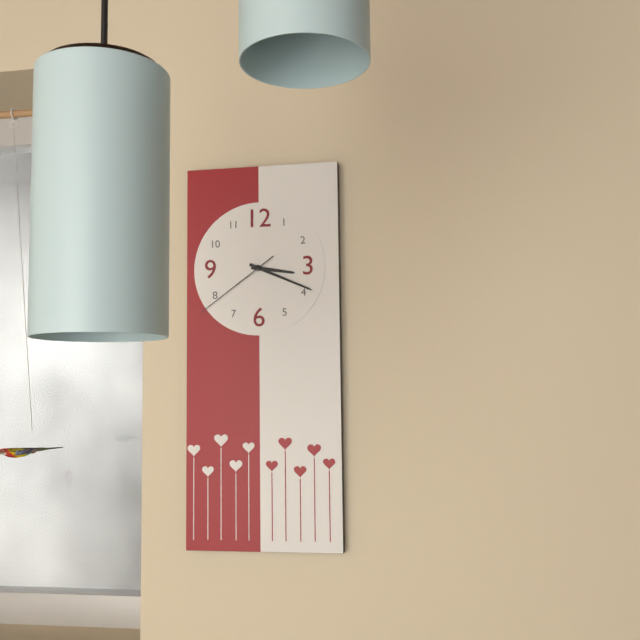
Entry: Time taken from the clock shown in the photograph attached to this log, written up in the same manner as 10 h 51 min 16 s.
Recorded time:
3 h 19 min 39 s
